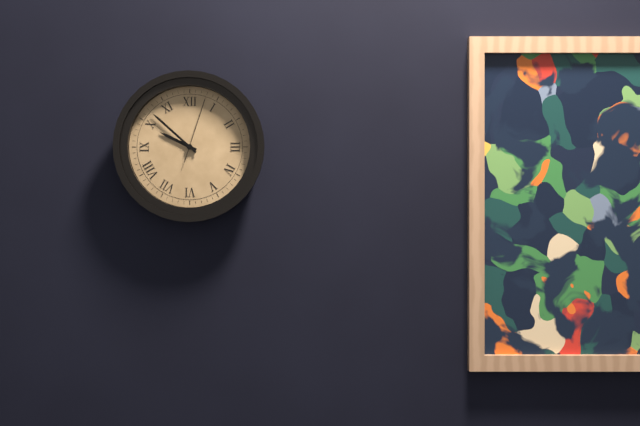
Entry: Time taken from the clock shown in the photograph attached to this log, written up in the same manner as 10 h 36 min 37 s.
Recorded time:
9 h 52 min 03 s
